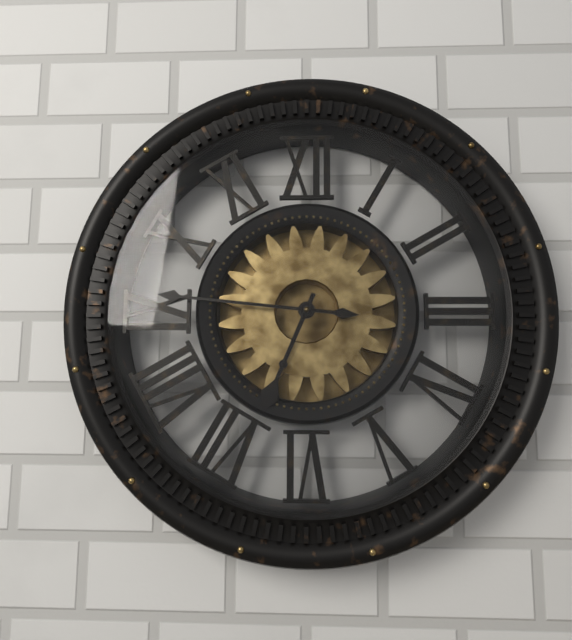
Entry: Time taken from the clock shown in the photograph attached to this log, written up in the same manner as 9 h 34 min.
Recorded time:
6 h 46 min
